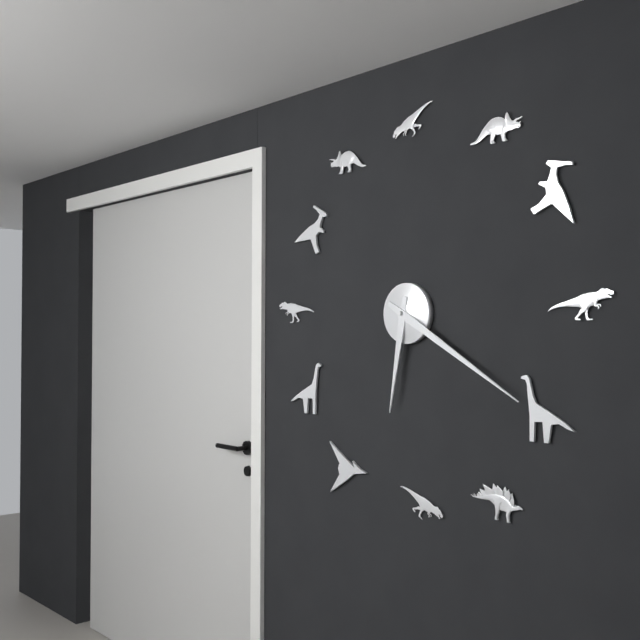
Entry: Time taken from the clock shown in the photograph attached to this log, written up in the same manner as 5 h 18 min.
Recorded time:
6 h 20 min
